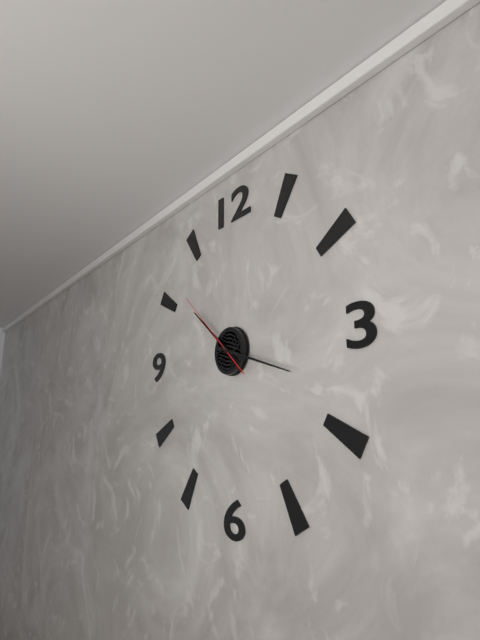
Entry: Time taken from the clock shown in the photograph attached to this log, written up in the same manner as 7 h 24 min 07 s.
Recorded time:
10 h 18 min 52 s
